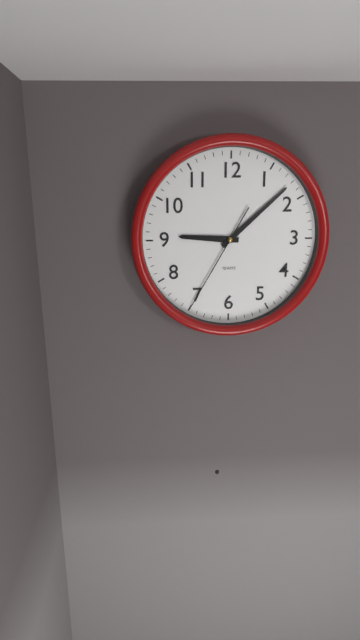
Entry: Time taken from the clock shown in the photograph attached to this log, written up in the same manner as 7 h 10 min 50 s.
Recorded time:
9 h 08 min 35 s
